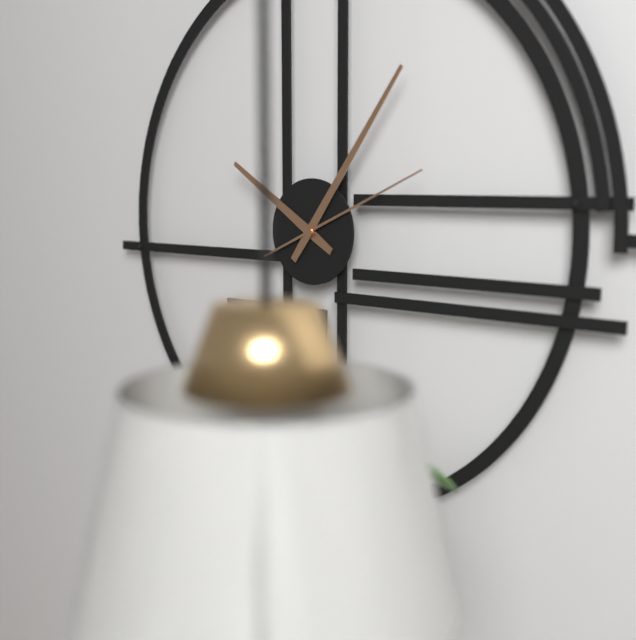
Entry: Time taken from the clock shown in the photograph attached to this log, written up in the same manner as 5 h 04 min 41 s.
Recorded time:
10 h 06 min 11 s
